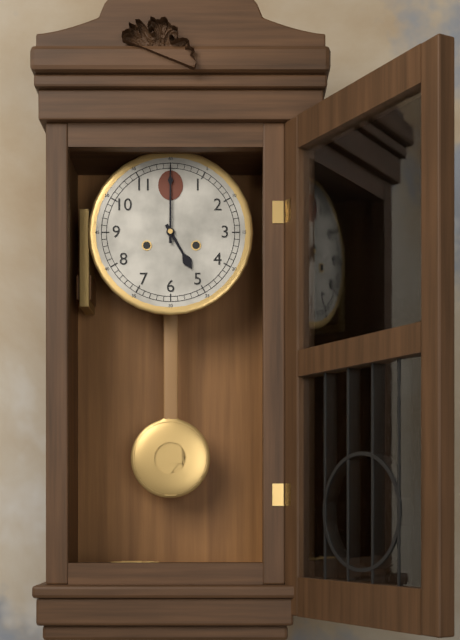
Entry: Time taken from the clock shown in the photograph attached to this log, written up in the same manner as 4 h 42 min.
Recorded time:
5 h 00 min
